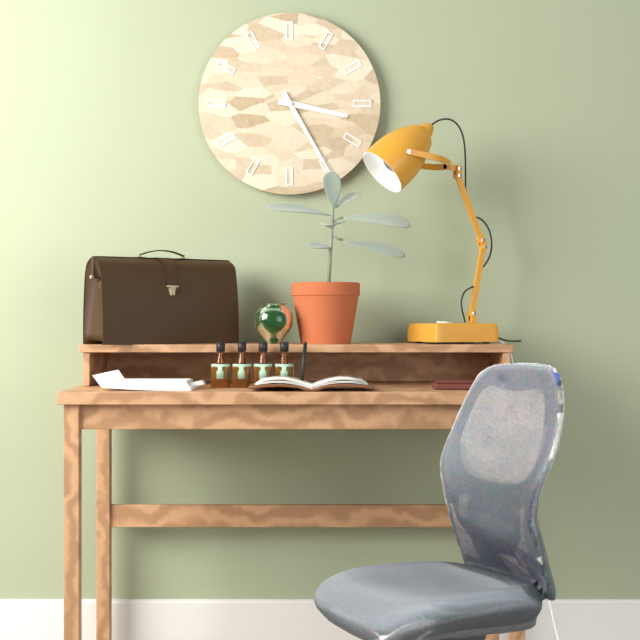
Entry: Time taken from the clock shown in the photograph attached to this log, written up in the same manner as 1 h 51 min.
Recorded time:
3 h 25 min
